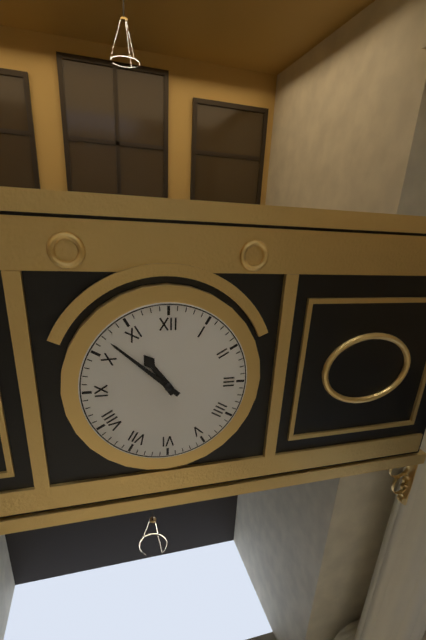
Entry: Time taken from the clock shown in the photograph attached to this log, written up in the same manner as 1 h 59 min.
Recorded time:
10 h 52 min
